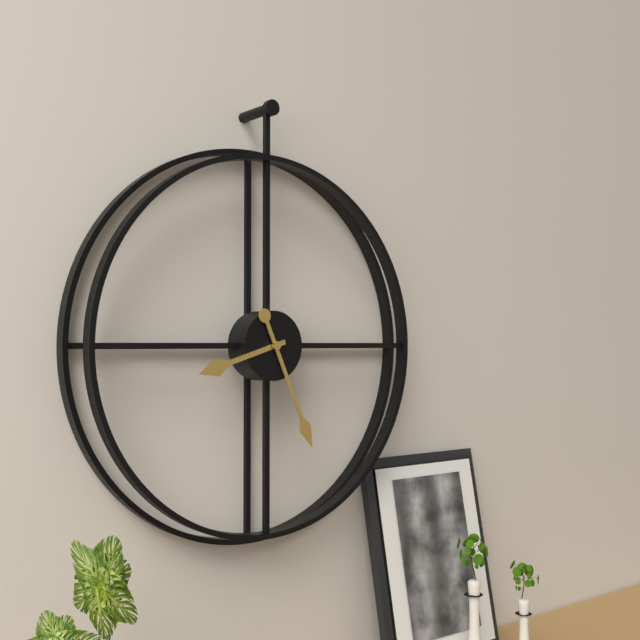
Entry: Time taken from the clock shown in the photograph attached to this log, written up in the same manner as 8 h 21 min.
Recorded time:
8 h 26 min
